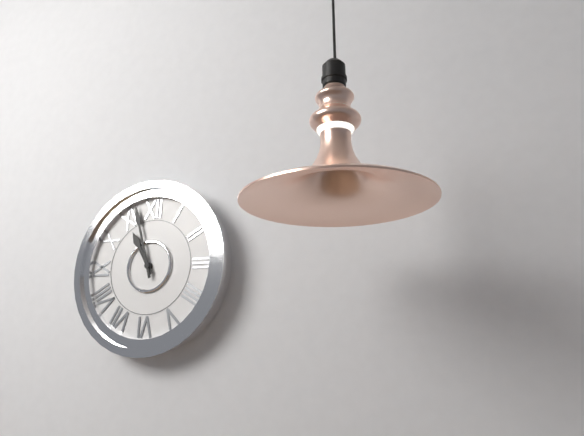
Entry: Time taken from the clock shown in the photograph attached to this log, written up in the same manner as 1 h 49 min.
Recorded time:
10 h 57 min
